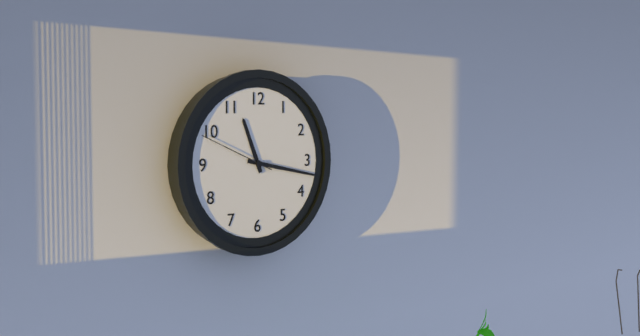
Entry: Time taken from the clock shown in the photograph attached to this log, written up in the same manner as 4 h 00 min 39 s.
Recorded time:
11 h 17 min 49 s
